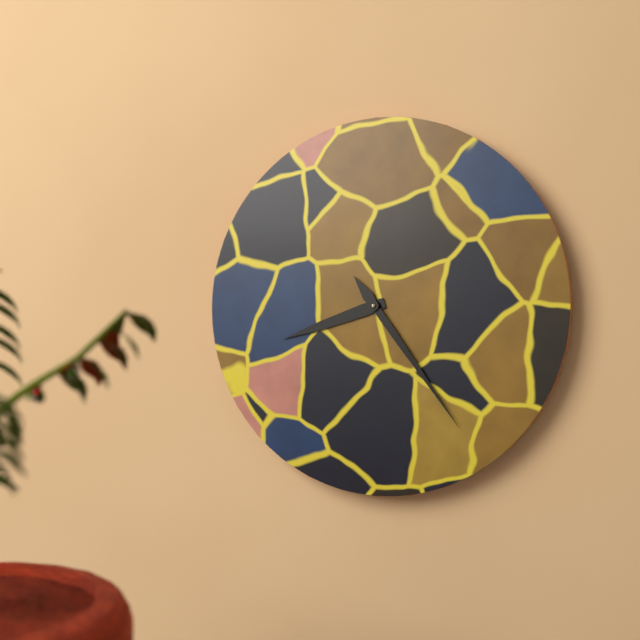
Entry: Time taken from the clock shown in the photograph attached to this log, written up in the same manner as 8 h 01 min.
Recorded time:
8 h 24 min
